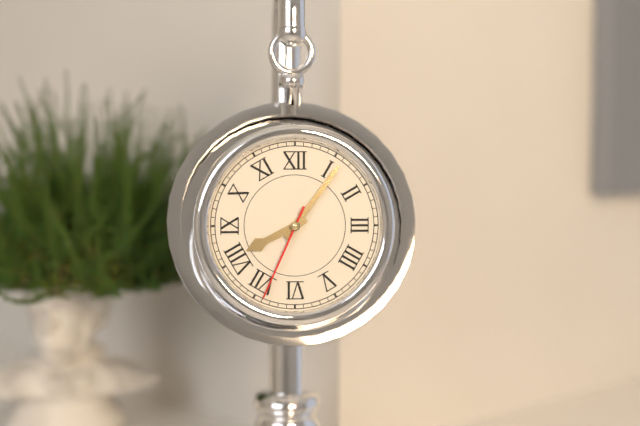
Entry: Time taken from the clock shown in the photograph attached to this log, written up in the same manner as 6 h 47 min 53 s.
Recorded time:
8 h 06 min 34 s
